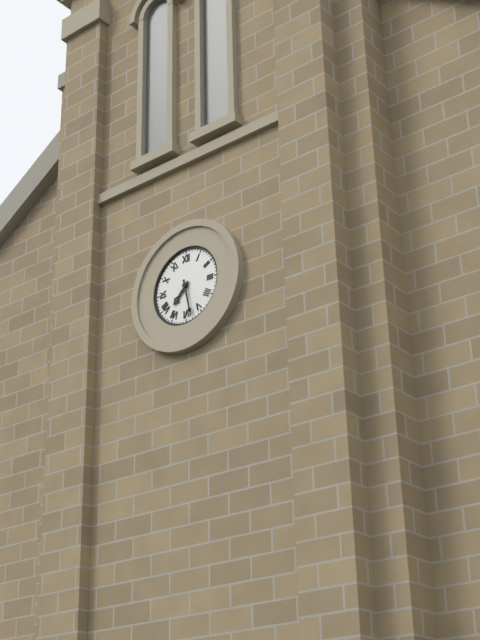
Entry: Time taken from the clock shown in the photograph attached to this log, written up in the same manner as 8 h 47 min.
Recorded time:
7 h 28 min
